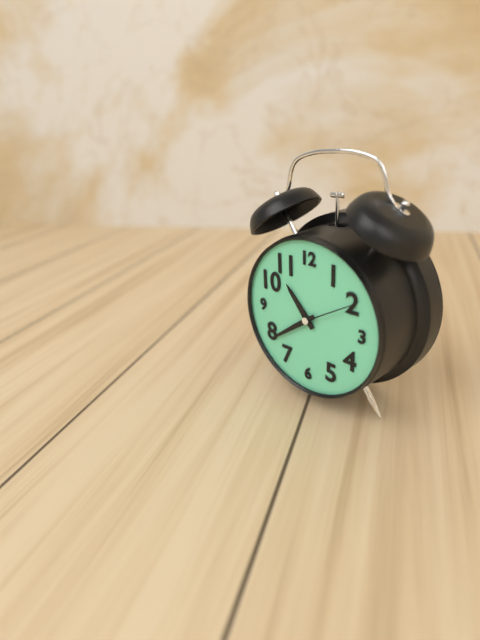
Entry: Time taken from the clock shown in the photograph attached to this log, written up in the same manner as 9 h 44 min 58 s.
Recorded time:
10 h 39 min 10 s
